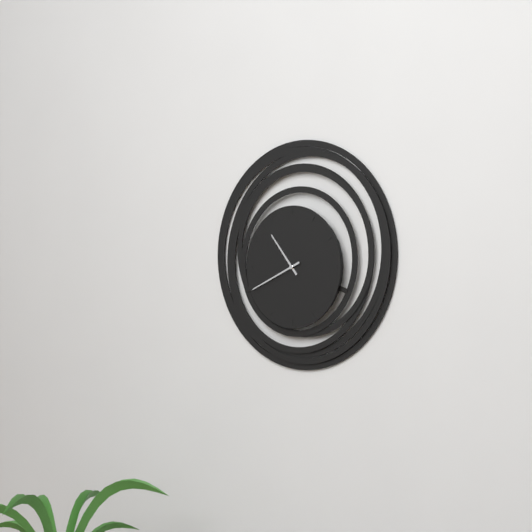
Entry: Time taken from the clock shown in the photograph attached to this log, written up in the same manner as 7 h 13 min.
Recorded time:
10 h 41 min
